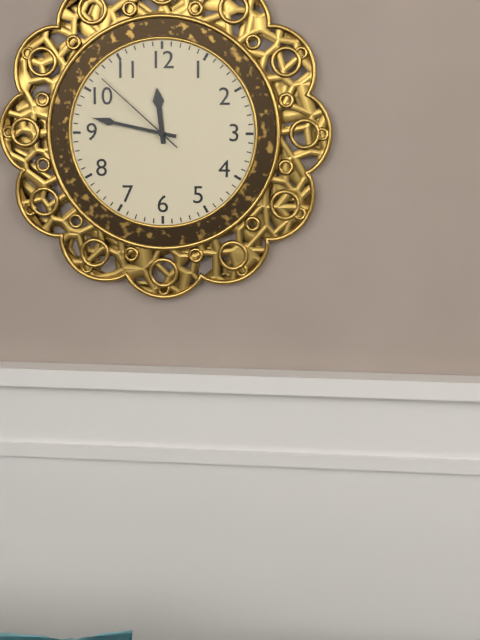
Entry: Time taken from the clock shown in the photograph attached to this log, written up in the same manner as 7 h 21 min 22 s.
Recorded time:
11 h 47 min 52 s
